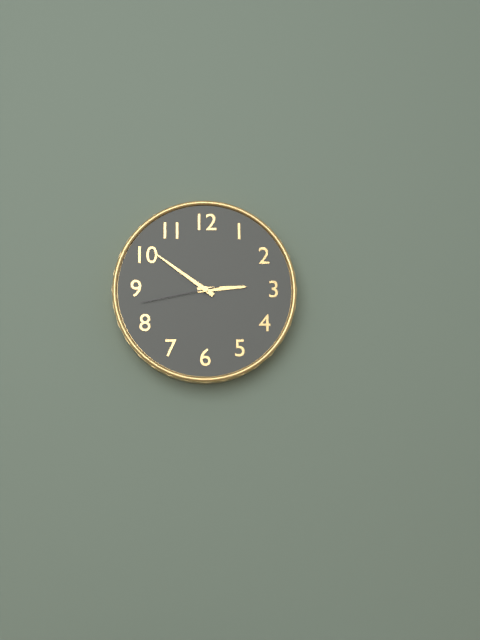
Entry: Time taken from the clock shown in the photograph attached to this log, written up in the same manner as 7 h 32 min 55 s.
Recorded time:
2 h 51 min 43 s
